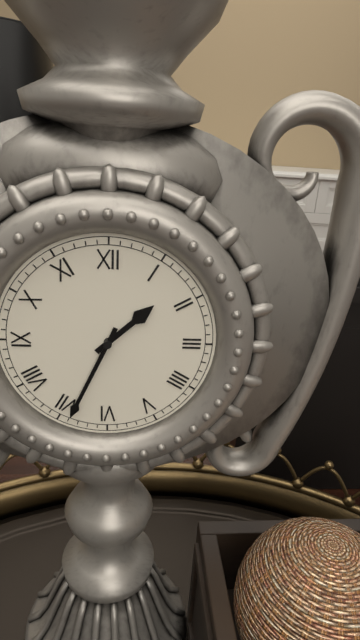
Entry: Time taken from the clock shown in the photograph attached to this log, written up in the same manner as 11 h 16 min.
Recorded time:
1 h 34 min
